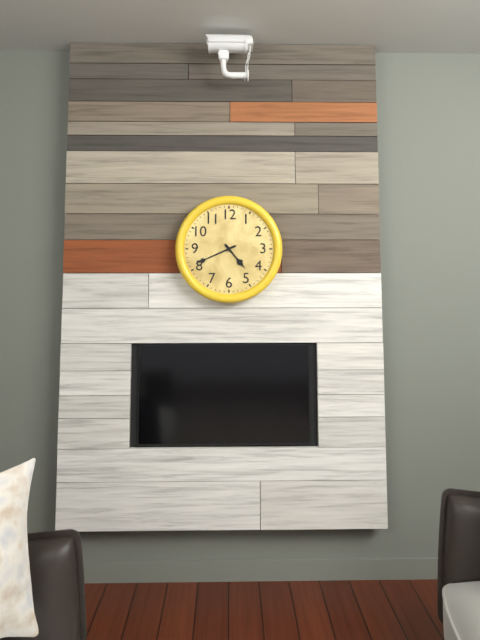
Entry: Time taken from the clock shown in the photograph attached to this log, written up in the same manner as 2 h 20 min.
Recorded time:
4 h 41 min
